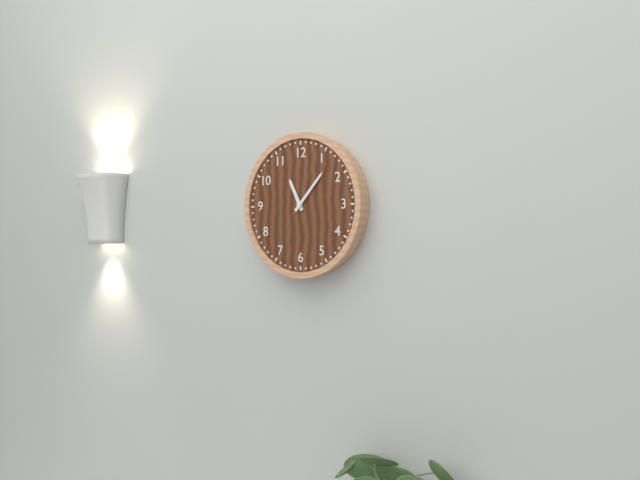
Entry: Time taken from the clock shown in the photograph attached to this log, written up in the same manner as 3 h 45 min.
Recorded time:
11 h 07 min
